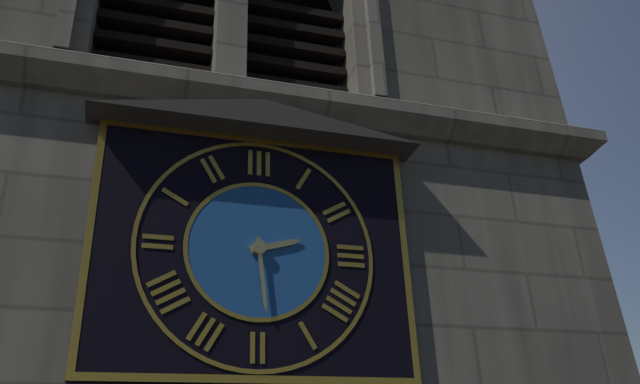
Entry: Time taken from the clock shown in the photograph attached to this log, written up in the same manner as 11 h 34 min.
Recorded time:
2 h 29 min
